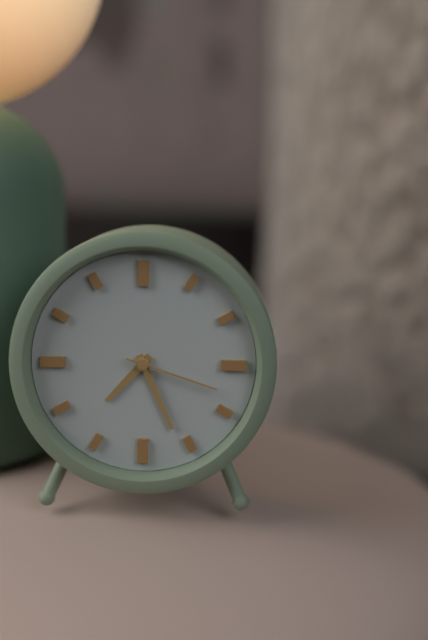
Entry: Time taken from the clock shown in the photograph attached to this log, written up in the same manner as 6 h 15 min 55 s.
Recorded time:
7 h 26 min 18 s
